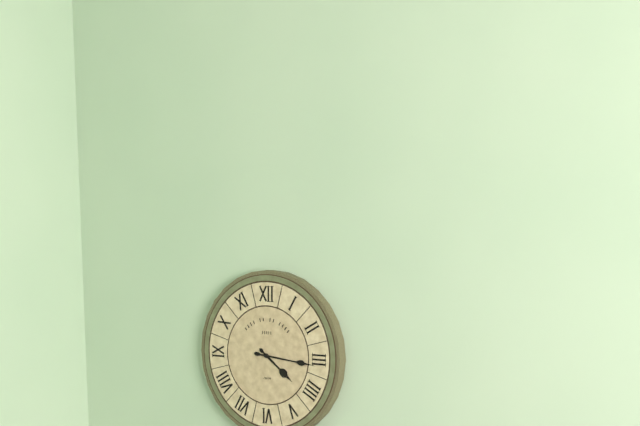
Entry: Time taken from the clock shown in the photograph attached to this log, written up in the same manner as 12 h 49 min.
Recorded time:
4 h 16 min
